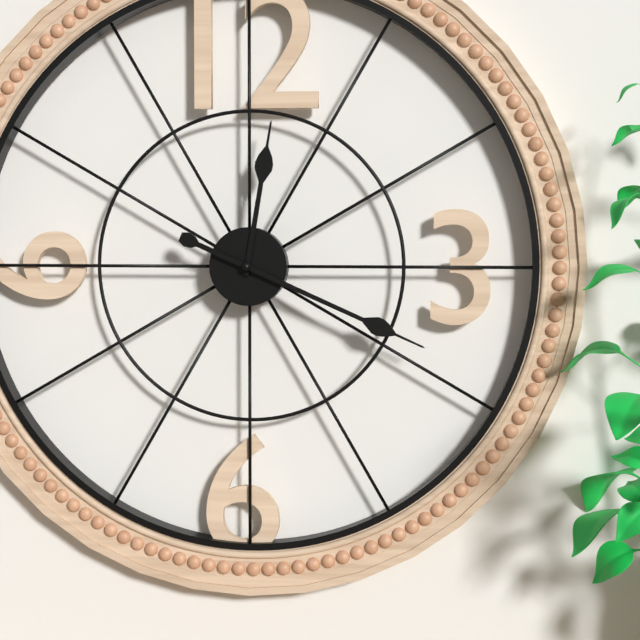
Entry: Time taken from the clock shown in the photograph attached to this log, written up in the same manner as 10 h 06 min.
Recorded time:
12 h 19 min
